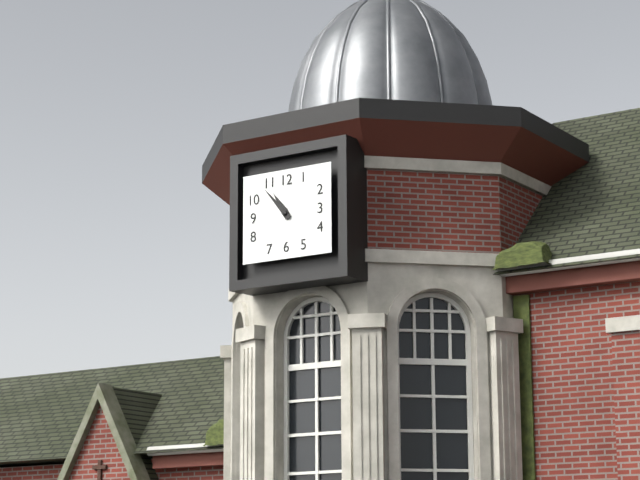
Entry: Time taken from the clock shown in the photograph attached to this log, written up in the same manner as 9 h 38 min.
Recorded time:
10 h 53 min
